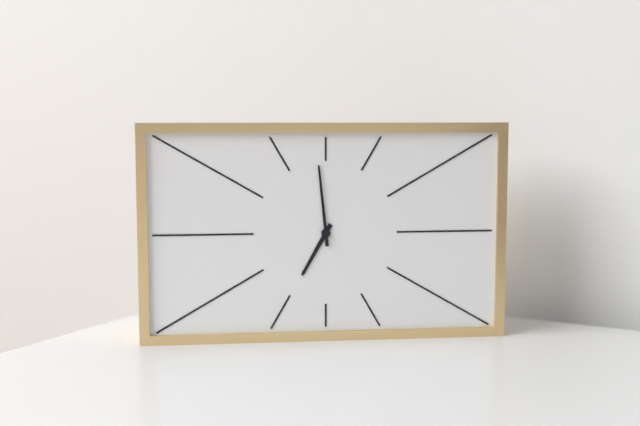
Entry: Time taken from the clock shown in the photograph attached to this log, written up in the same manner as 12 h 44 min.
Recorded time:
6 h 59 min
